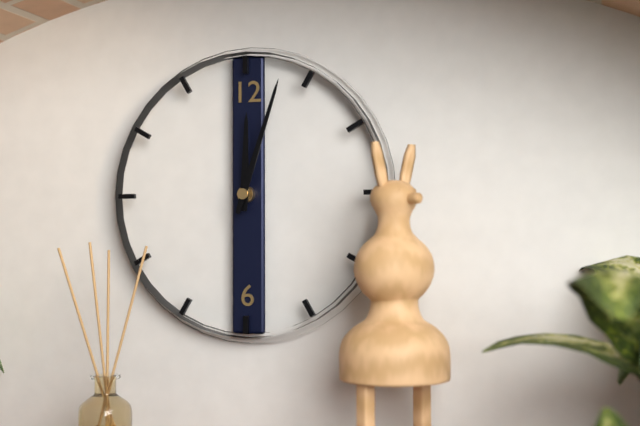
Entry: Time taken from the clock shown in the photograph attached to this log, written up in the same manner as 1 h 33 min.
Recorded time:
12 h 03 min
